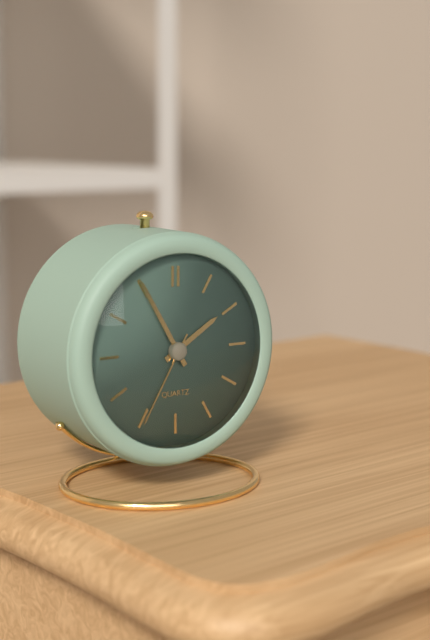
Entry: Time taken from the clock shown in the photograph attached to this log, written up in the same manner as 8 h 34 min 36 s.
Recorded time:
1 h 55 min 35 s
